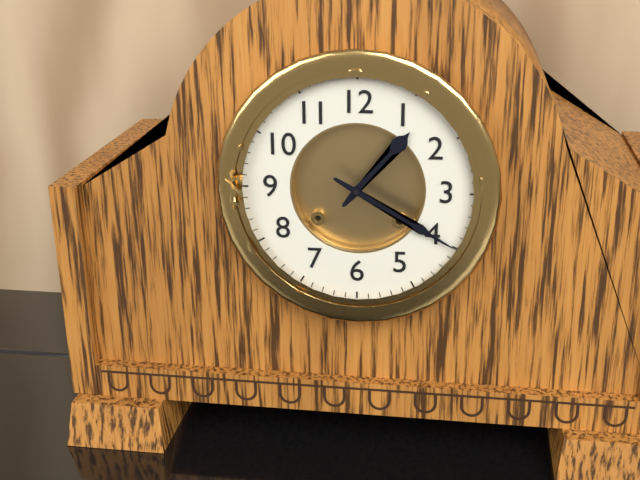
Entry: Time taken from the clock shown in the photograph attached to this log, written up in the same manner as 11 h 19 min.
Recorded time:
1 h 20 min
